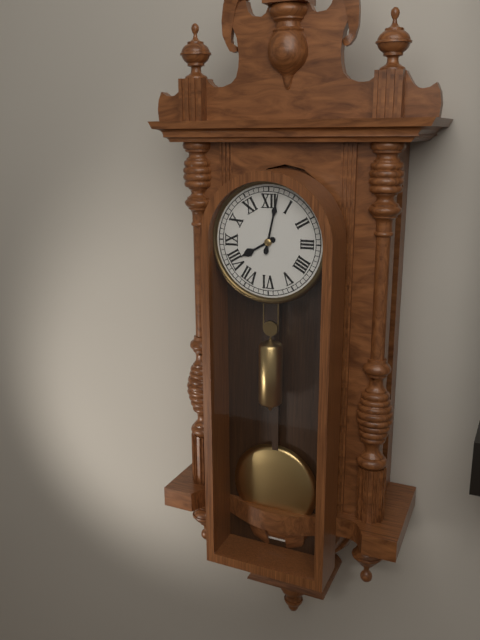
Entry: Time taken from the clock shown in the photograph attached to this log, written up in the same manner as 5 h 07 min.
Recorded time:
8 h 02 min
